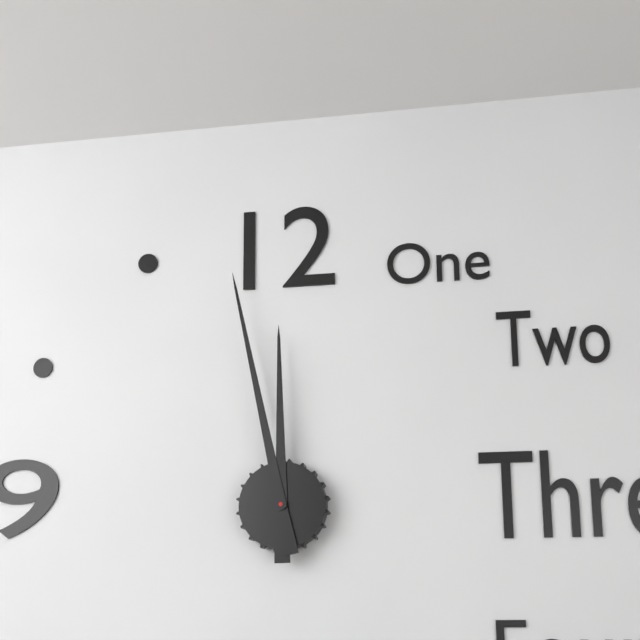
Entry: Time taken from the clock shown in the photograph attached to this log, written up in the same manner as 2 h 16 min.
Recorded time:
11 h 58 min
